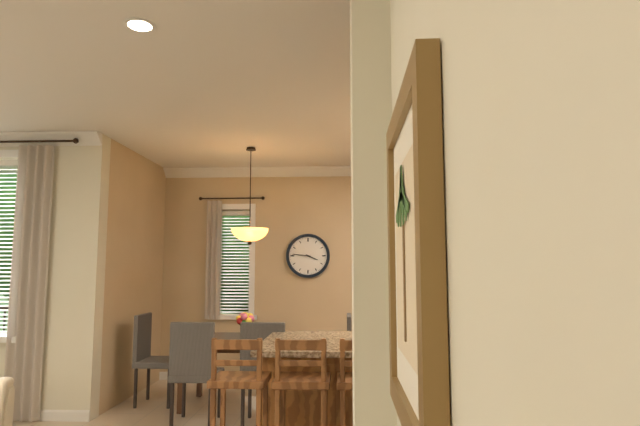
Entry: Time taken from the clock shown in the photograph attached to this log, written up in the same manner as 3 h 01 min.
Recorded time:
3 h 46 min
